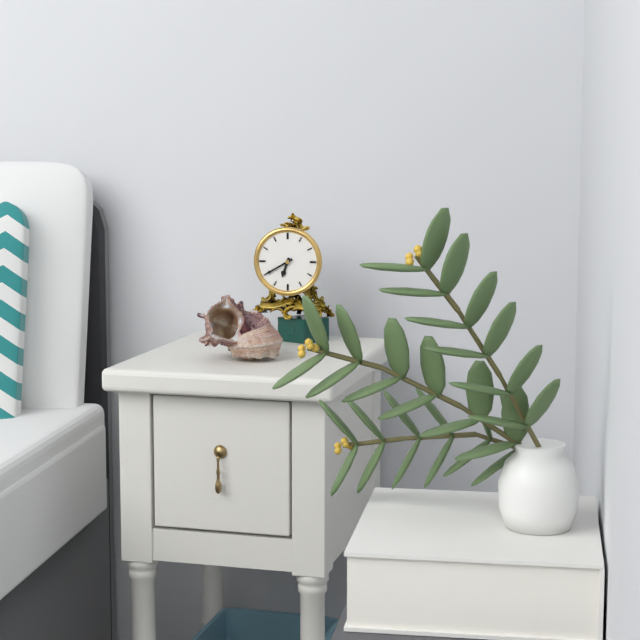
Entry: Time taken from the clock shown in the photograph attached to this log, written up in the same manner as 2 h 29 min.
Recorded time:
6 h 40 min
